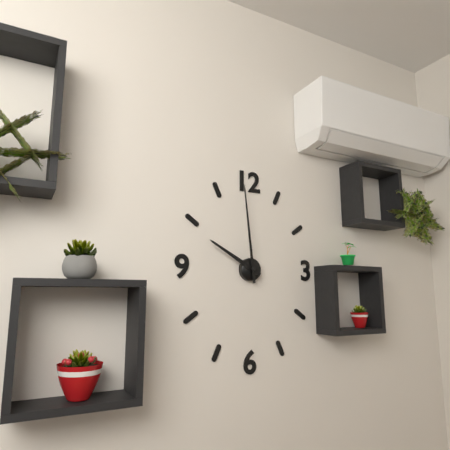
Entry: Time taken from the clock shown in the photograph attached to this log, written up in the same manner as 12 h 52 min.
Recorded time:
9 h 59 min
